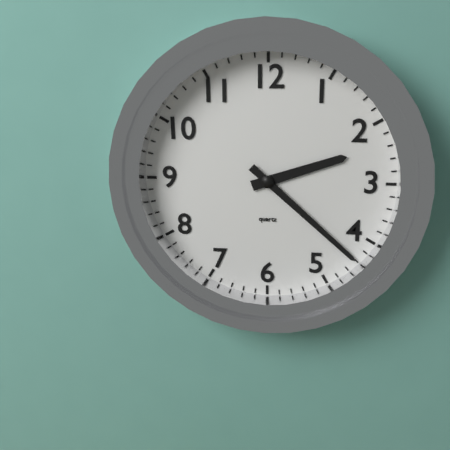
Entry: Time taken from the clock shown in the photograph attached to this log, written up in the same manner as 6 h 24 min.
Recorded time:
2 h 22 min
